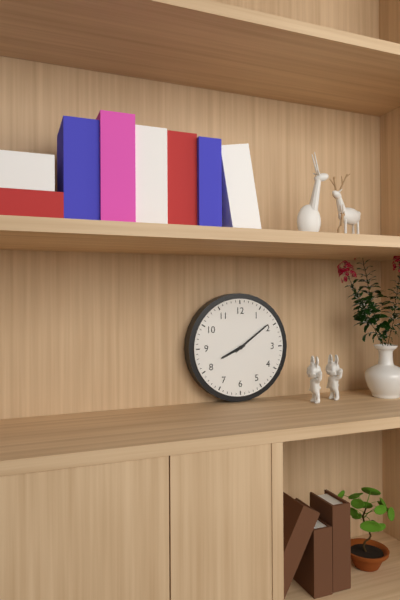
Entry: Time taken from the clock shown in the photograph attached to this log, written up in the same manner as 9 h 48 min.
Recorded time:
8 h 09 min
